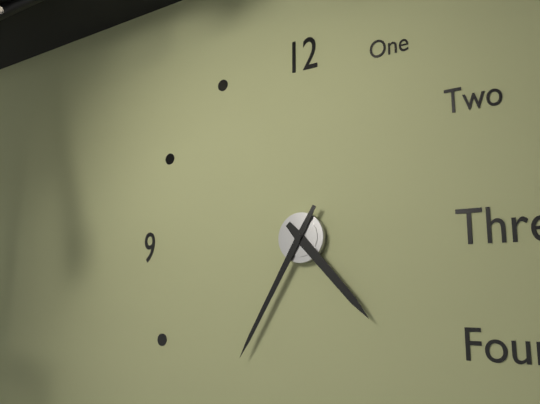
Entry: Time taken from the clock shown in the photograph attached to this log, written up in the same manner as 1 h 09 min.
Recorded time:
4 h 35 min
